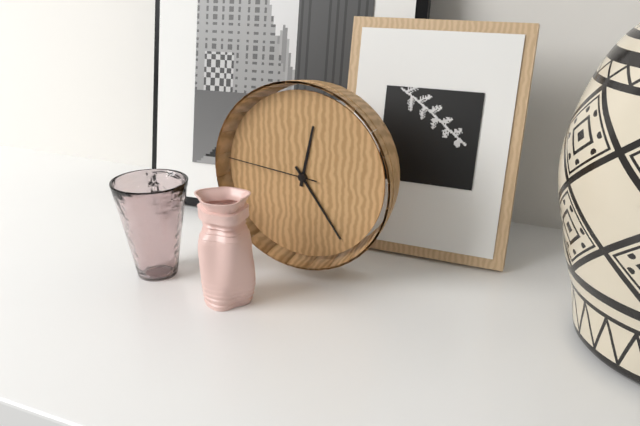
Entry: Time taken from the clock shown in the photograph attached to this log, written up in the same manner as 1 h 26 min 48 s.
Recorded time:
12 h 24 min 46 s
